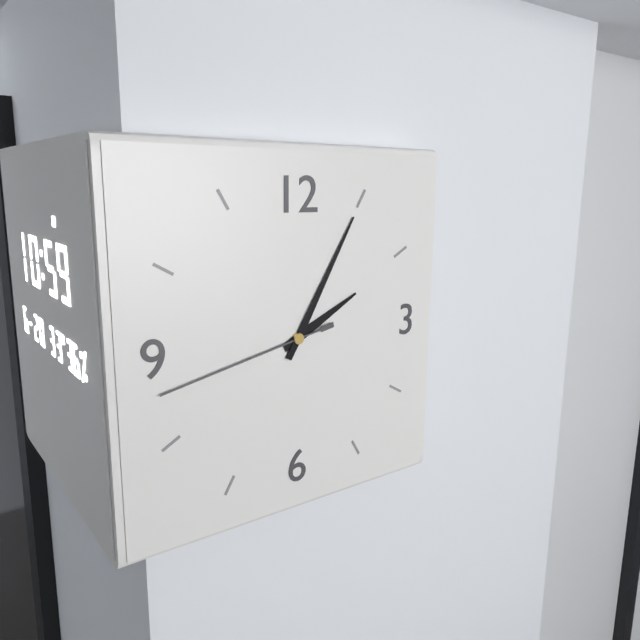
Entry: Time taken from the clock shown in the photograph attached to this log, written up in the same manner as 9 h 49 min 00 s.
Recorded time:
2 h 05 min 43 s
